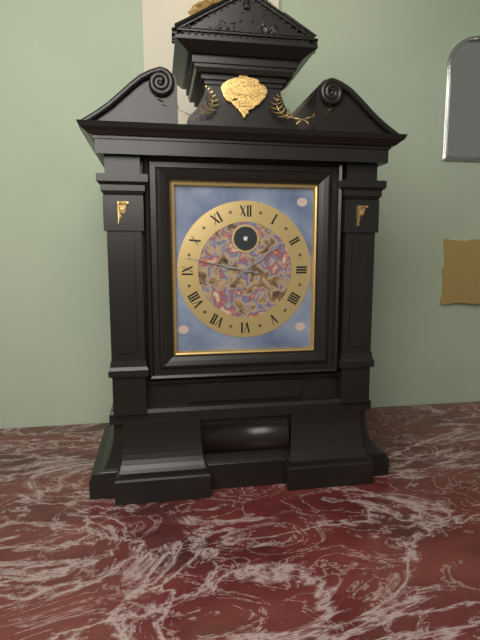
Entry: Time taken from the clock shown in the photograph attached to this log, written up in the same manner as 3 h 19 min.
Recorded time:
1 h 47 min
